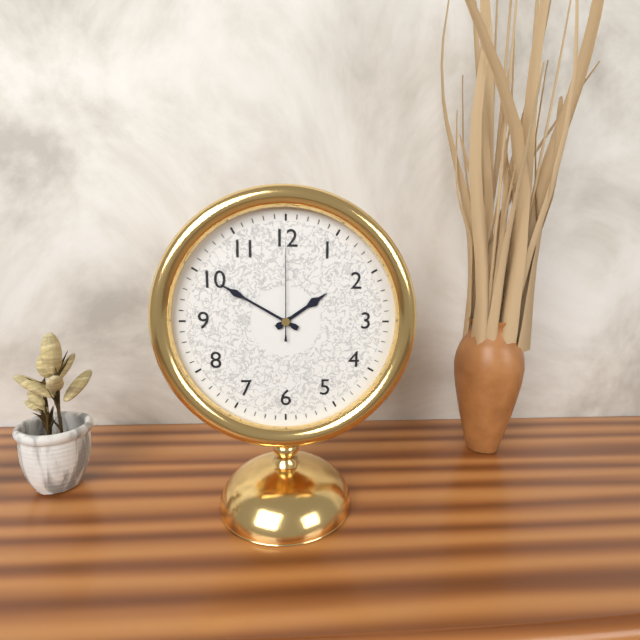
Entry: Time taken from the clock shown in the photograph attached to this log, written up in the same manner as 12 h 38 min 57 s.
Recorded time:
1 h 50 min 00 s
